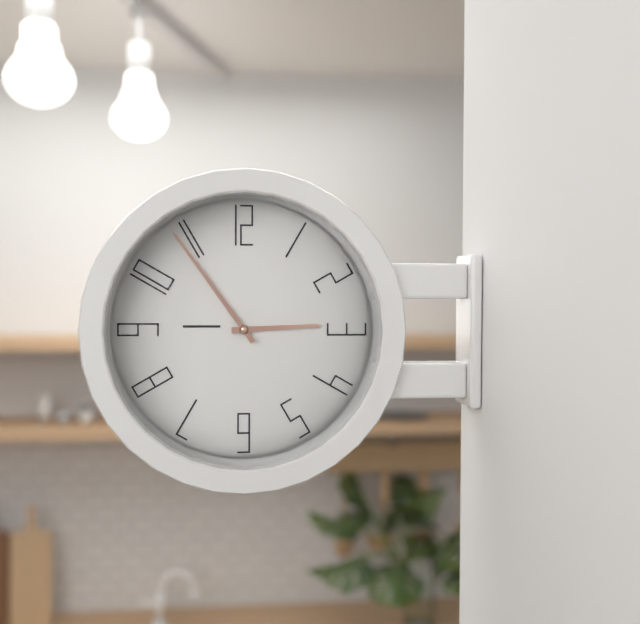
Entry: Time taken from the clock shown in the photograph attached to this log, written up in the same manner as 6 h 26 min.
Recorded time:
2 h 54 min
